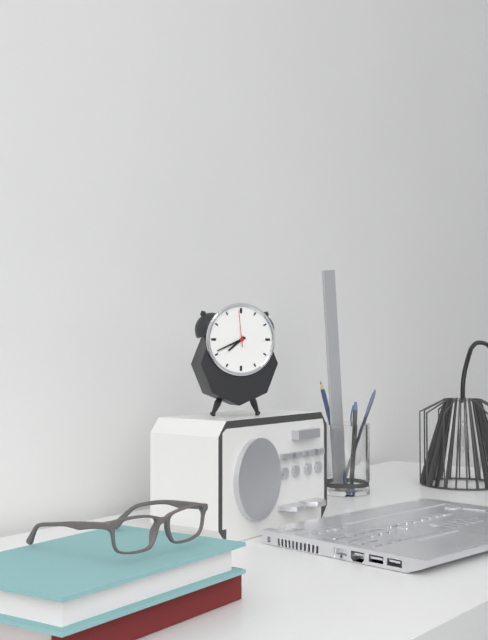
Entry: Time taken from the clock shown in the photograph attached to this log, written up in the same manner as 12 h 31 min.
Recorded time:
7 h 41 min
